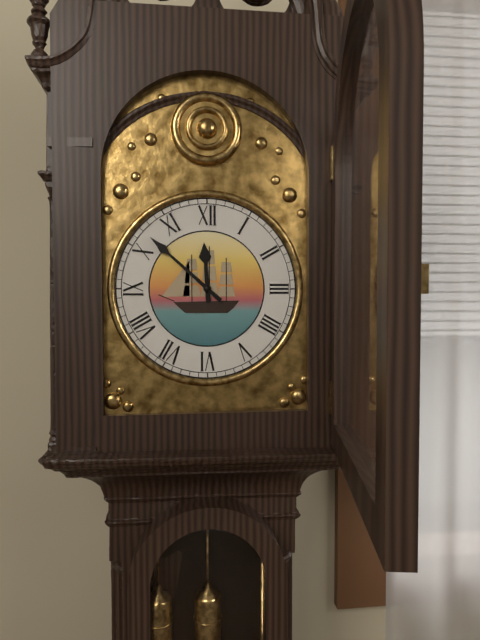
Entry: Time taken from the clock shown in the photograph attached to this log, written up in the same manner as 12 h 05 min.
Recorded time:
11 h 52 min
